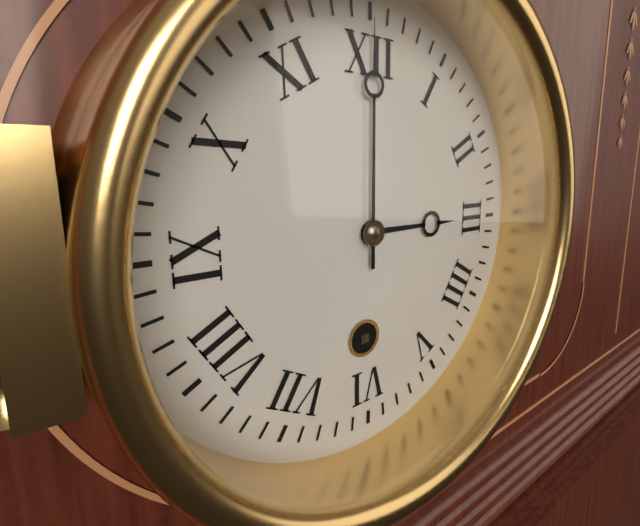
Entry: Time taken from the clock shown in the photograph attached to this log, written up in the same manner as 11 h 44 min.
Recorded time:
3 h 00 min
